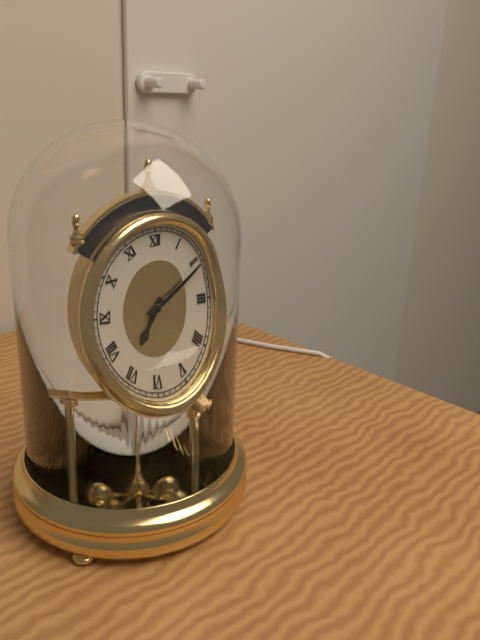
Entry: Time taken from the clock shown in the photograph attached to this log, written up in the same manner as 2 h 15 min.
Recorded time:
7 h 11 min
